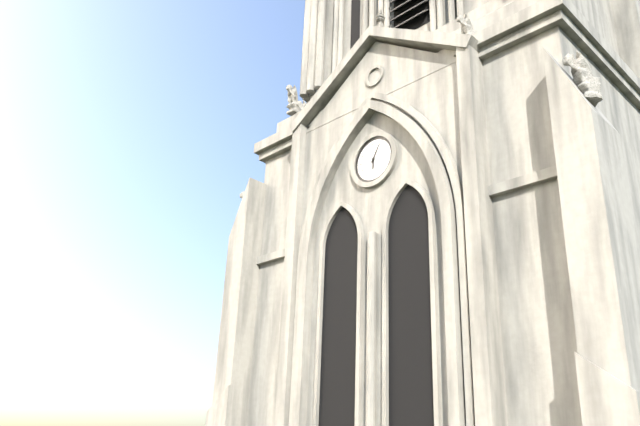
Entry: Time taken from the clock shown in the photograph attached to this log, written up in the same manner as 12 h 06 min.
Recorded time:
6 h 05 min
